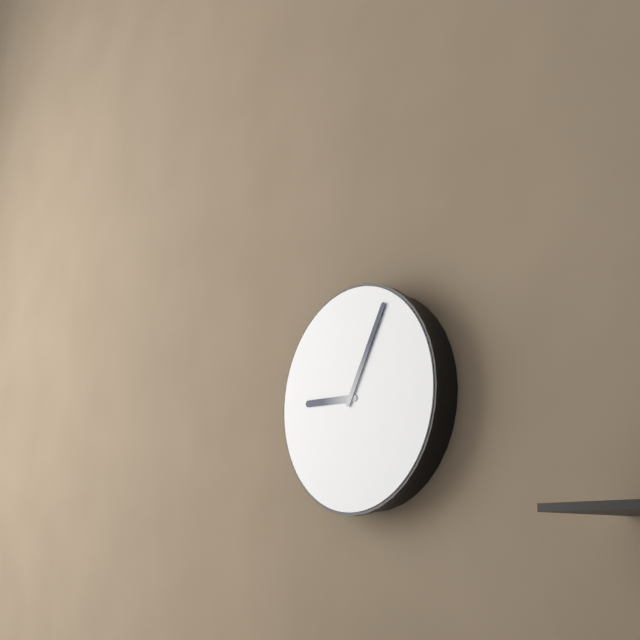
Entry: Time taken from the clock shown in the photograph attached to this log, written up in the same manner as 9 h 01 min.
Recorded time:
9 h 05 min
